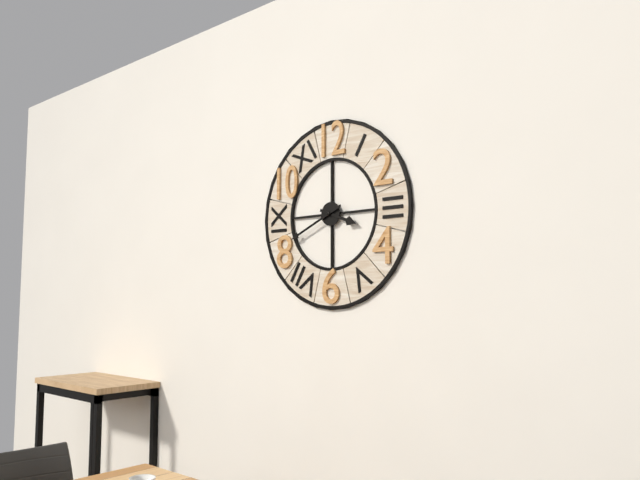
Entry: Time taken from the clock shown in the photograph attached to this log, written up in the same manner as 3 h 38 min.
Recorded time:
3 h 41 min
